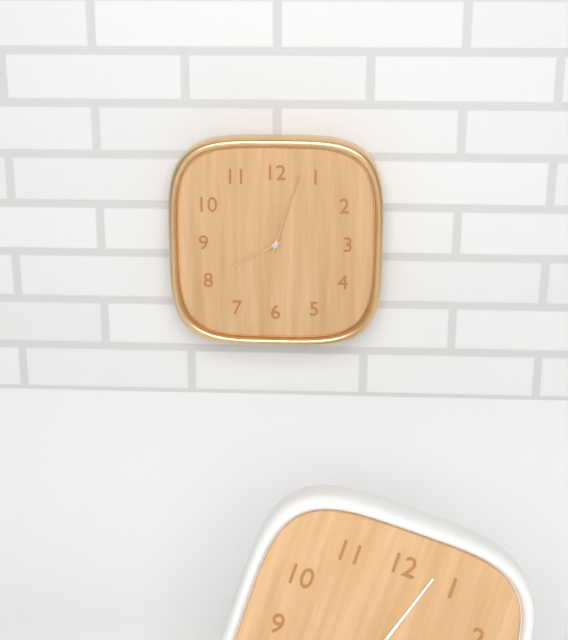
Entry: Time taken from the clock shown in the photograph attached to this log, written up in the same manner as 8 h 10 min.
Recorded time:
8 h 03 min
